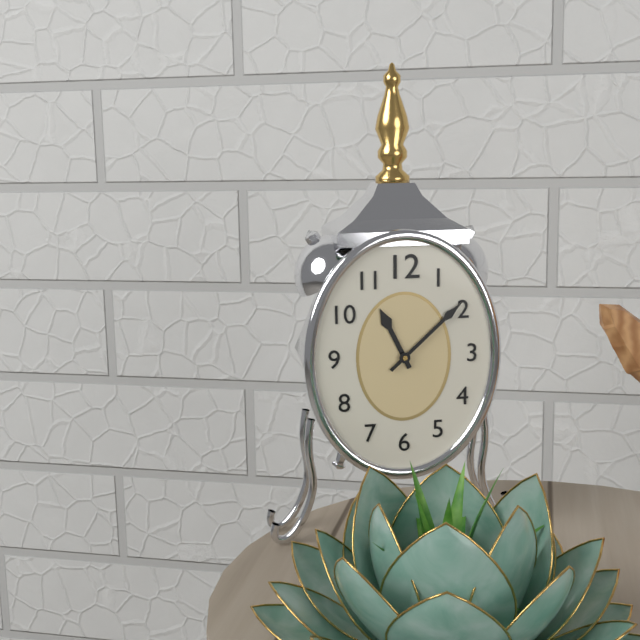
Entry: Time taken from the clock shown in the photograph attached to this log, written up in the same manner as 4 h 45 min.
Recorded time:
11 h 08 min
